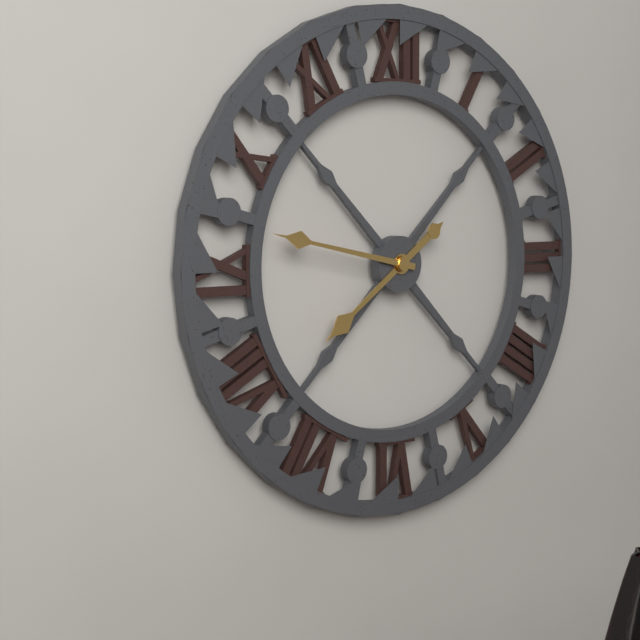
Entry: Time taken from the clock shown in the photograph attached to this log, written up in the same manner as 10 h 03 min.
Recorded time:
7 h 47 min
